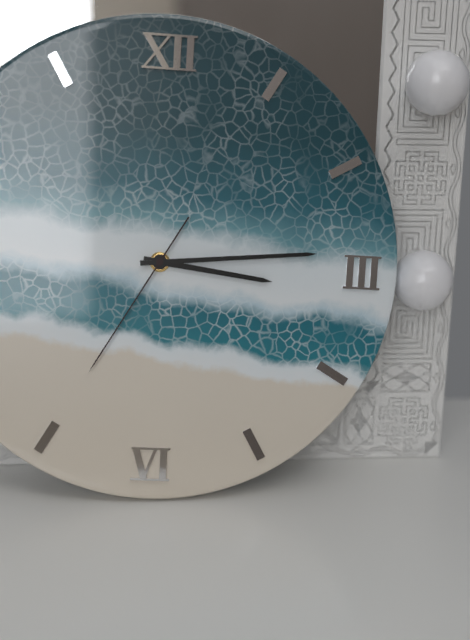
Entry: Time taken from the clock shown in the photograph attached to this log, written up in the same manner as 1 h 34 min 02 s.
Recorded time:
3 h 14 min 35 s
